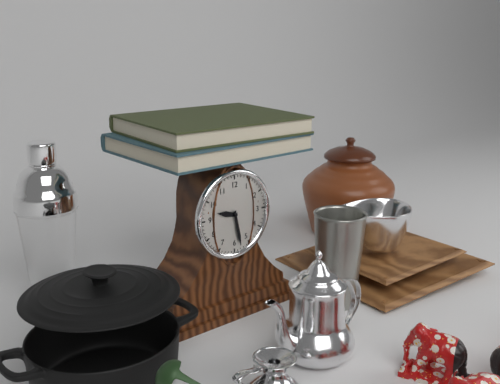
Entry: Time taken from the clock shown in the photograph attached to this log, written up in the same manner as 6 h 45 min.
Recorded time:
9 h 28 min
